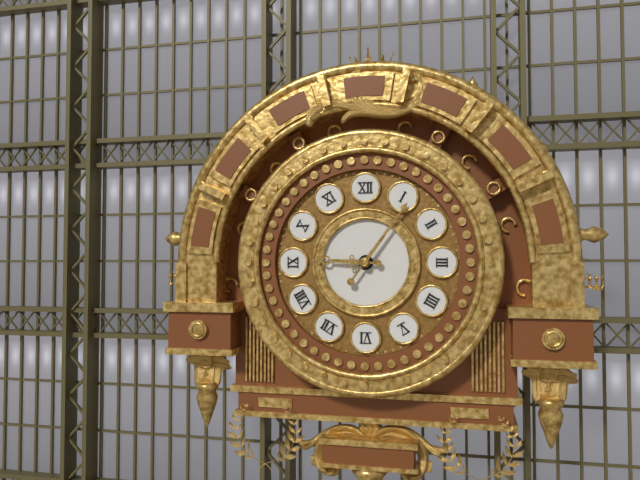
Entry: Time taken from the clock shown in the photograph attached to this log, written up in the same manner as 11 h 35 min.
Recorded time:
9 h 06 min
